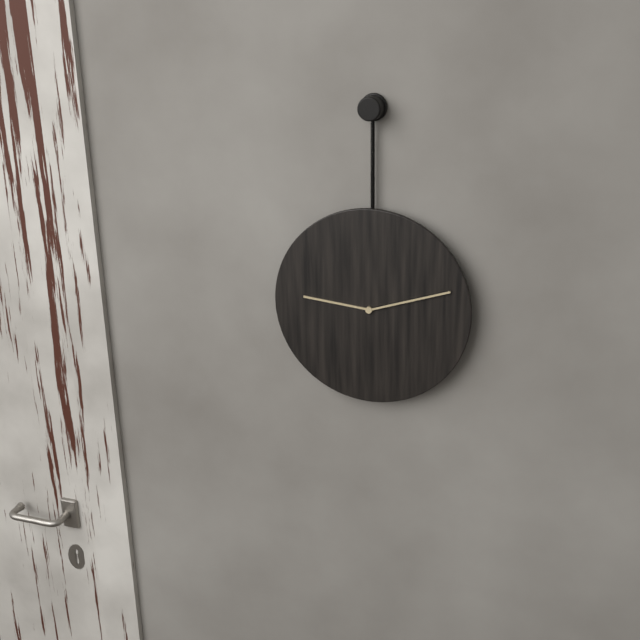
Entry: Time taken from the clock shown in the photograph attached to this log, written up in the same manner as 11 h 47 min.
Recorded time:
9 h 12 min
